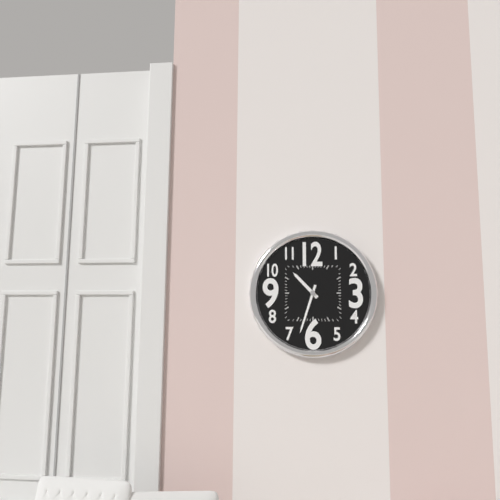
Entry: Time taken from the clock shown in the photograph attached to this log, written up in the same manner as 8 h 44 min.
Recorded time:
10 h 33 min
